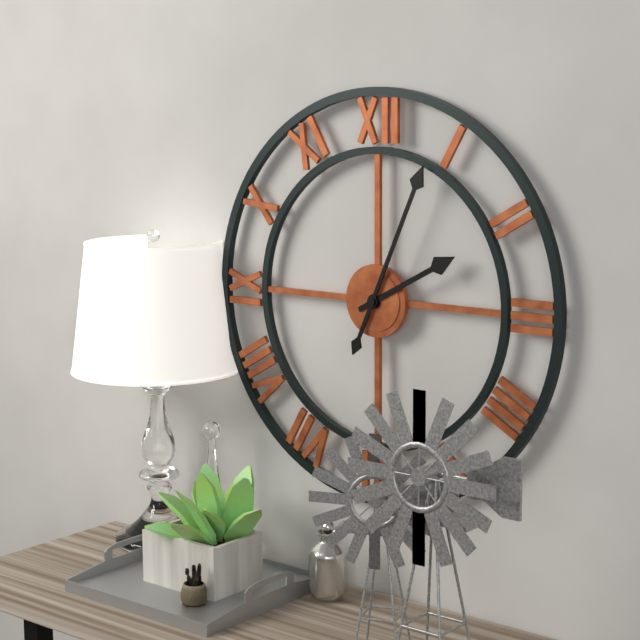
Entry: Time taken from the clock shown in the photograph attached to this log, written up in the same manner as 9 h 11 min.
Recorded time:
2 h 04 min
